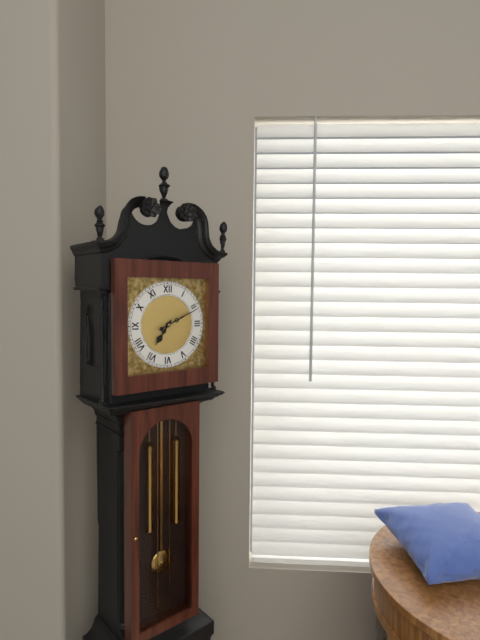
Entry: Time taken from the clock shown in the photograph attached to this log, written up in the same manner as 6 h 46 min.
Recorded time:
7 h 11 min
